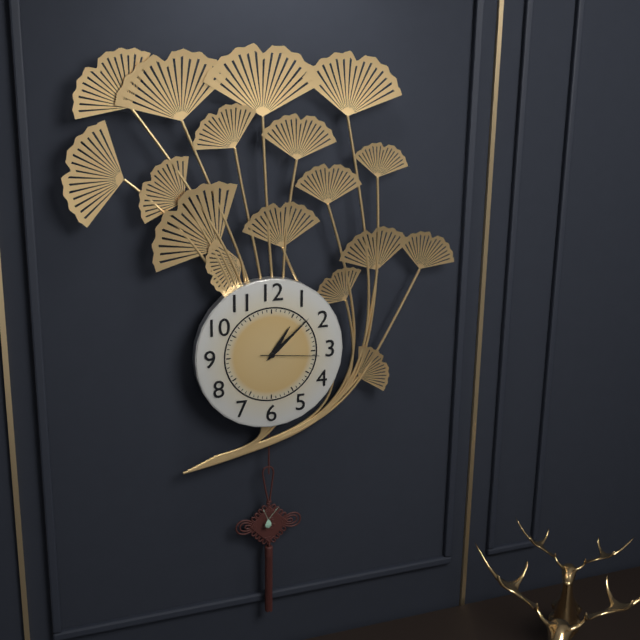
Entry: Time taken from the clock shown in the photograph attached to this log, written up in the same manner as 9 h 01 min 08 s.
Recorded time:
1 h 08 min 16 s
